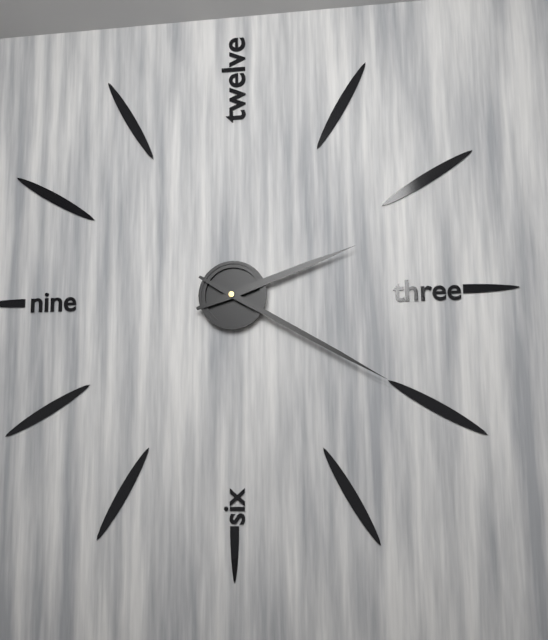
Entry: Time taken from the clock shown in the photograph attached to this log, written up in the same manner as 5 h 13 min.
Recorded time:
2 h 20 min
